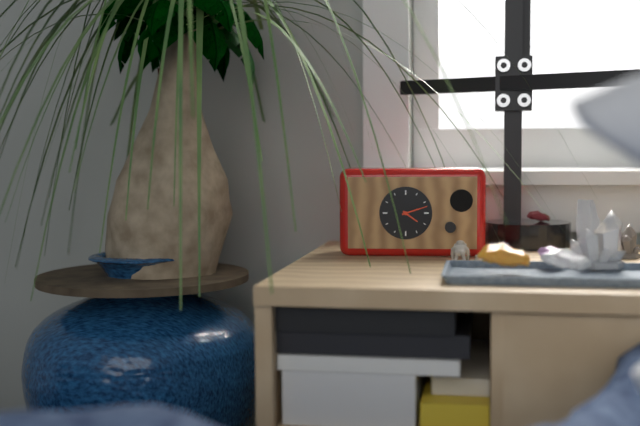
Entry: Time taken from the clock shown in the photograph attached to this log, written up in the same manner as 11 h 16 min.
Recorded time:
4 h 12 min
